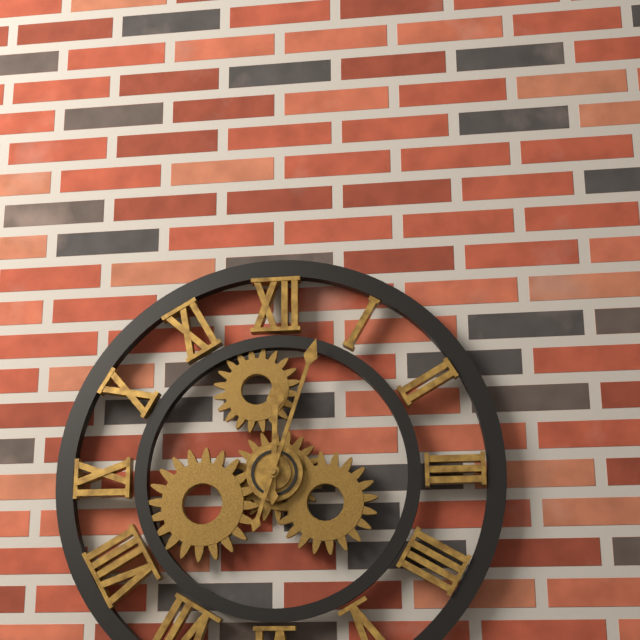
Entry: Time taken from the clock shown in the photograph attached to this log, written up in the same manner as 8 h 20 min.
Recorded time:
12 h 03 min
